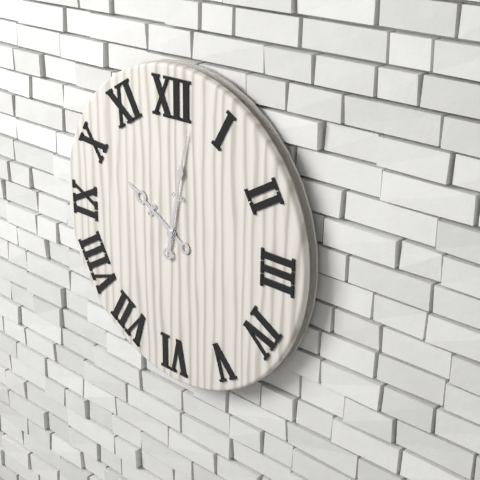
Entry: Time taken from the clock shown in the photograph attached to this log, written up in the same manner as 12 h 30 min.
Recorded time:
10 h 02 min
